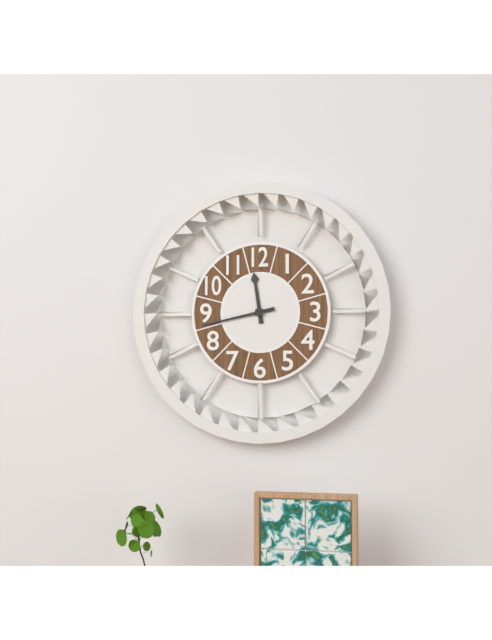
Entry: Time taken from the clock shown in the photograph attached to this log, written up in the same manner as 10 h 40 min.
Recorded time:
11 h 43 min
